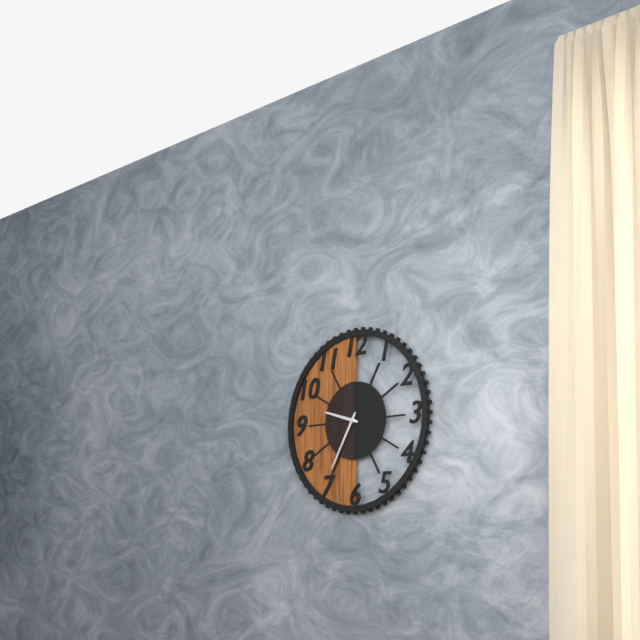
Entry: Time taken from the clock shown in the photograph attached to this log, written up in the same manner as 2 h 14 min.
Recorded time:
9 h 35 min
